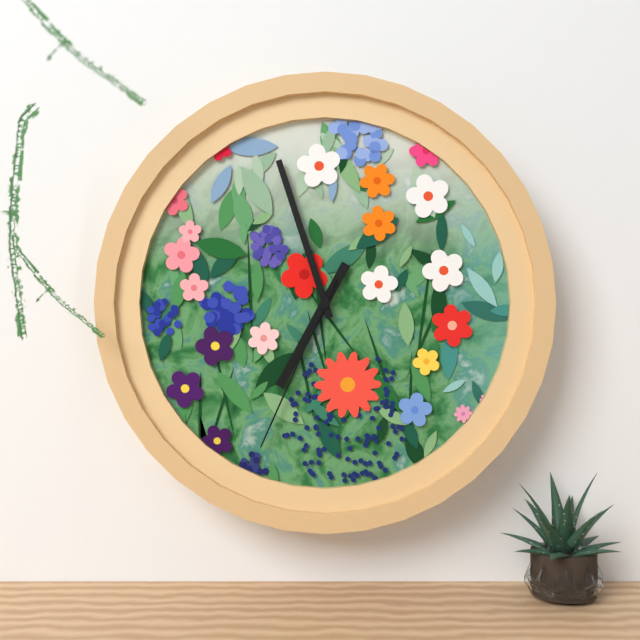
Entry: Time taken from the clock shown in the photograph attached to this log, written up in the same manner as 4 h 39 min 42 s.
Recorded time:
6 h 57 min 34 s
